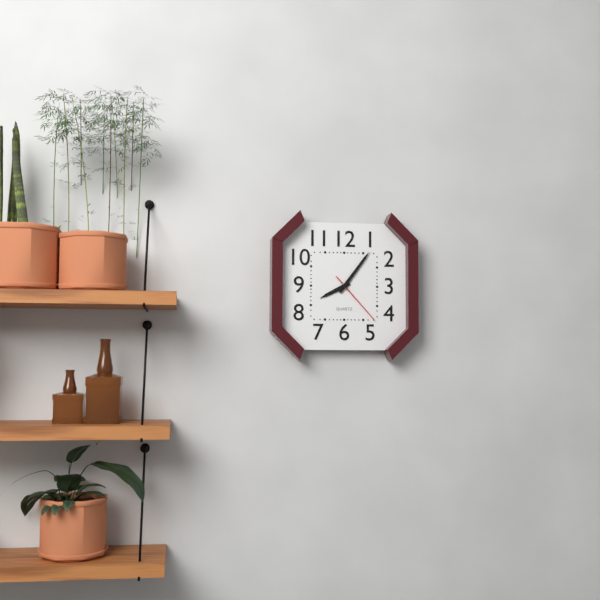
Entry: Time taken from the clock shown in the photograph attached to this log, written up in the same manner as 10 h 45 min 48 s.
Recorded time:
8 h 06 min 23 s
